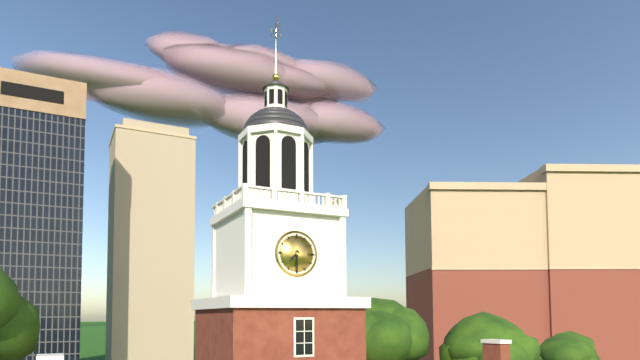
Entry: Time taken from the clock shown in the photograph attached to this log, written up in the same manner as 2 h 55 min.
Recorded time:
7 h 30 min
